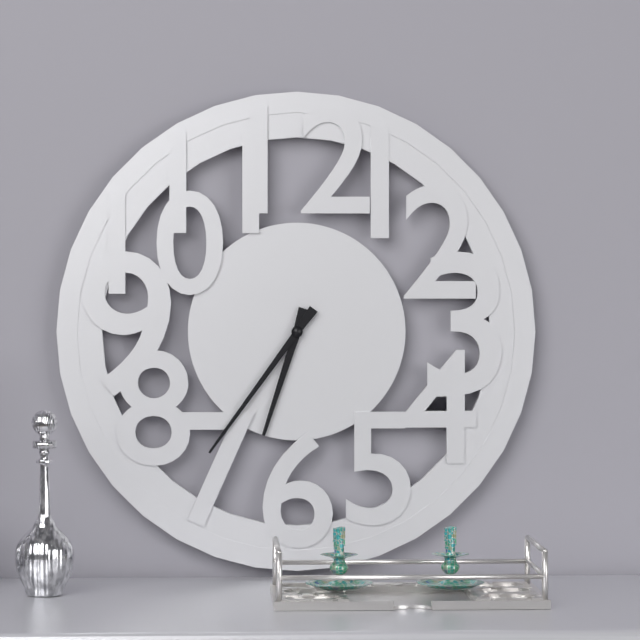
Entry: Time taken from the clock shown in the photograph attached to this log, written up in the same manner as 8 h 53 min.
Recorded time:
6 h 36 min
